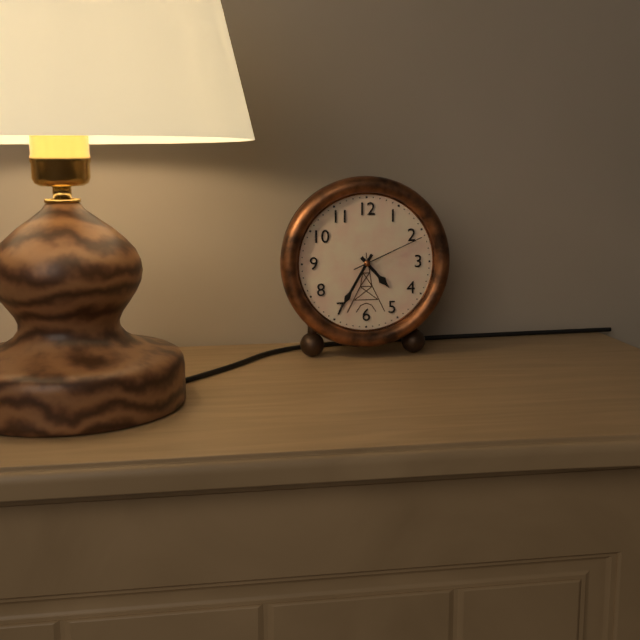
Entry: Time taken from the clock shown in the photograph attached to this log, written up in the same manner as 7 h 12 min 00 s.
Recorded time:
4 h 35 min 11 s
